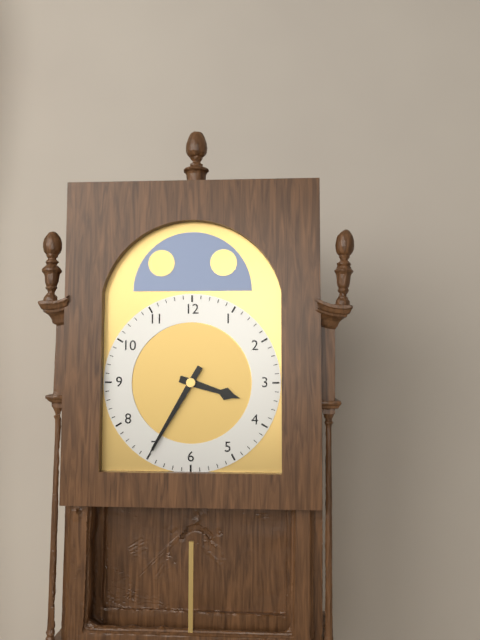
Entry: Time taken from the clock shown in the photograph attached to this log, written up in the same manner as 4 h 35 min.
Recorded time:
3 h 35 min
